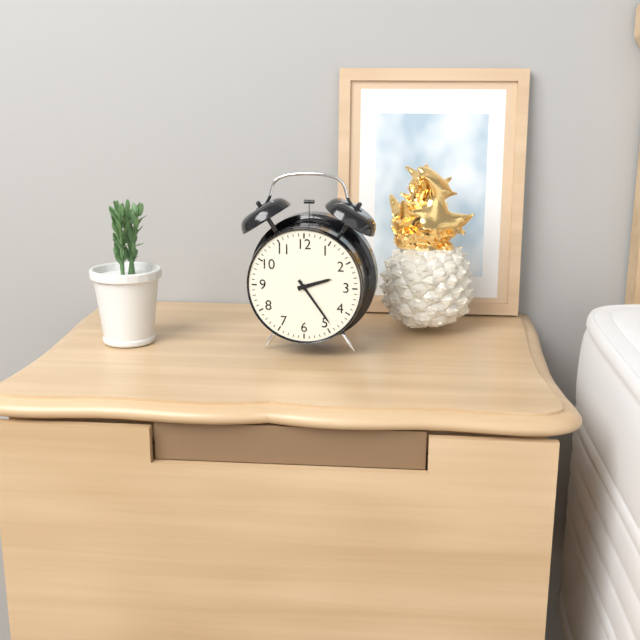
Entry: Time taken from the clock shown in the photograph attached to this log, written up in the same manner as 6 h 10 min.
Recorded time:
2 h 24 min
